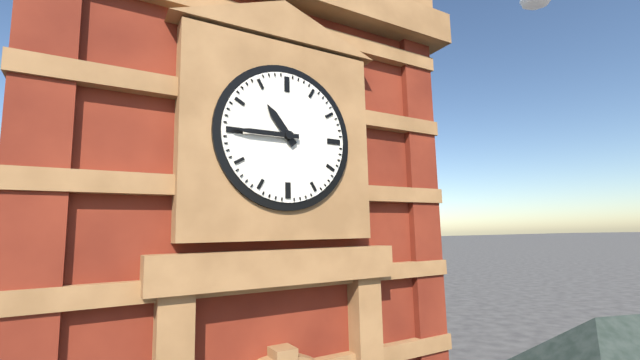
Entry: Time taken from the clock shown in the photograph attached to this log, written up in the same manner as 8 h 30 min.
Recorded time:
10 h 45 min
